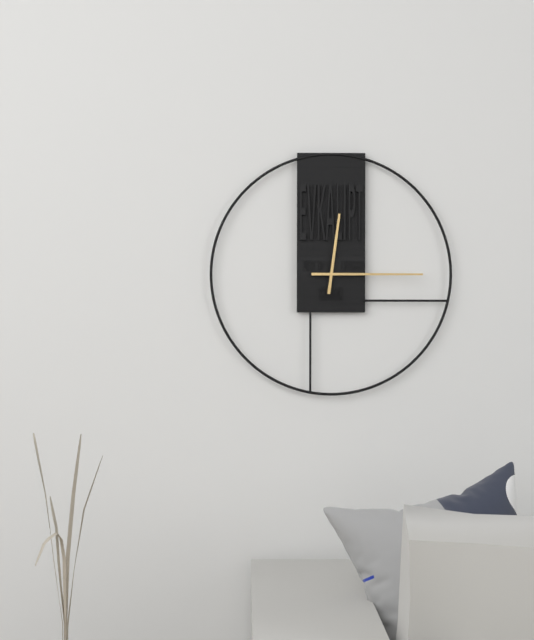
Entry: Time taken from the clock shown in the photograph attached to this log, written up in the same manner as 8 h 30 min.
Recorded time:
12 h 15 min
